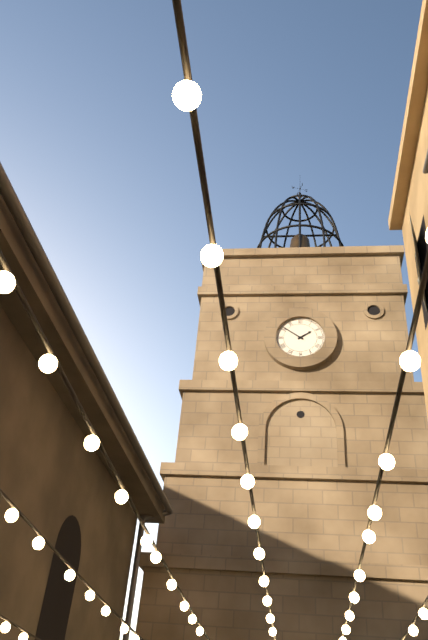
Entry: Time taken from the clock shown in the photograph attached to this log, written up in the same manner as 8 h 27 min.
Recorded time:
1 h 51 min
